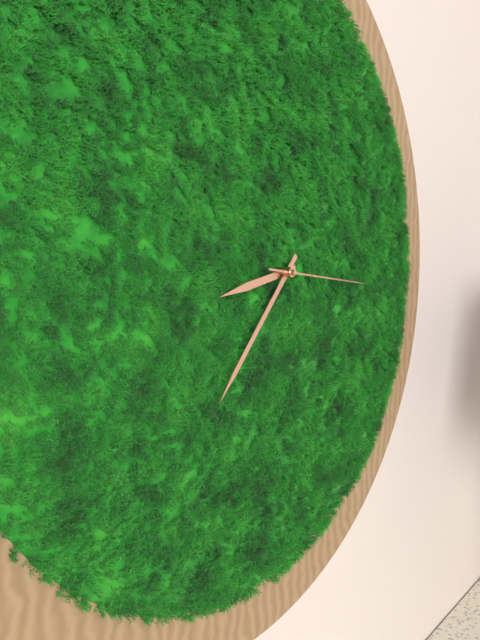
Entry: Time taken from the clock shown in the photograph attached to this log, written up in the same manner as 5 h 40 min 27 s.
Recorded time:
8 h 37 min 16 s
